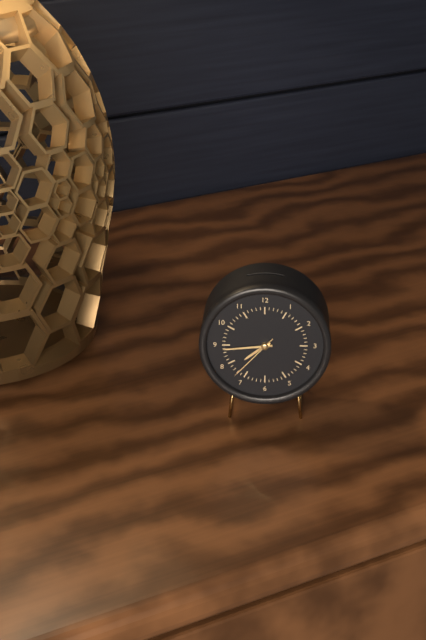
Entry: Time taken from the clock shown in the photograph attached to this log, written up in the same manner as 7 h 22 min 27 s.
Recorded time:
7 h 44 min 37 s
